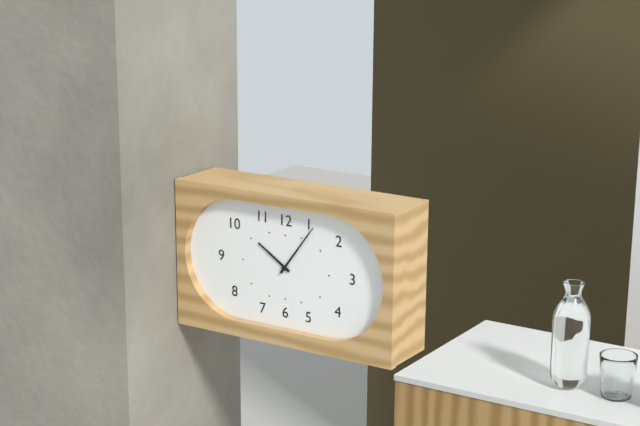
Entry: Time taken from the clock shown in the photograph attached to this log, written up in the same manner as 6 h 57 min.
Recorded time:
10 h 06 min
